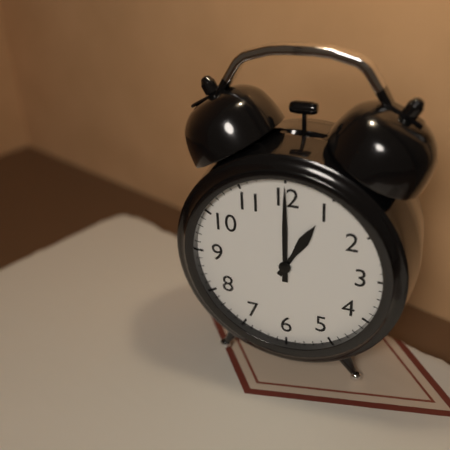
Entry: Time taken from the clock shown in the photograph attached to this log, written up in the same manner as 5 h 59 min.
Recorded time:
1 h 00 min
